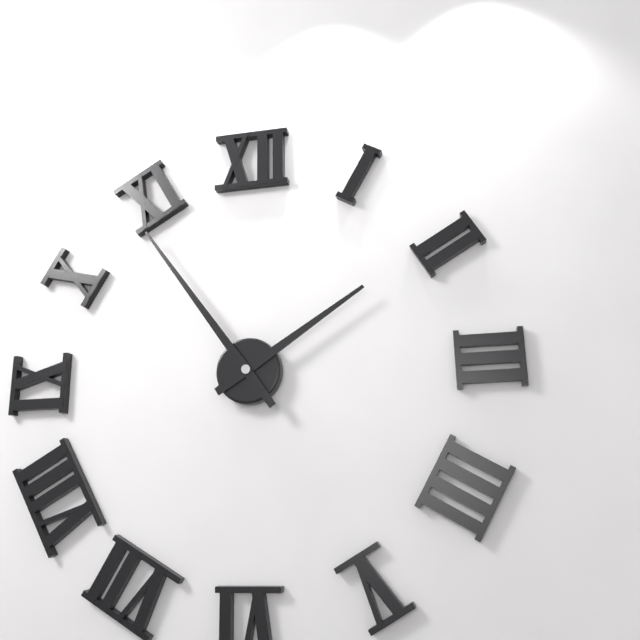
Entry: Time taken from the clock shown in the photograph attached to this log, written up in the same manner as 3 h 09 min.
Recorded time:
1 h 54 min
